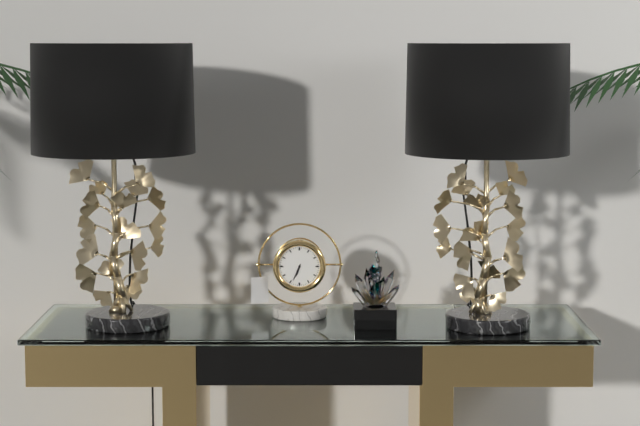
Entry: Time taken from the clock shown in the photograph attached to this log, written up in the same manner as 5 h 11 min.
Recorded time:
6 h 34 min
